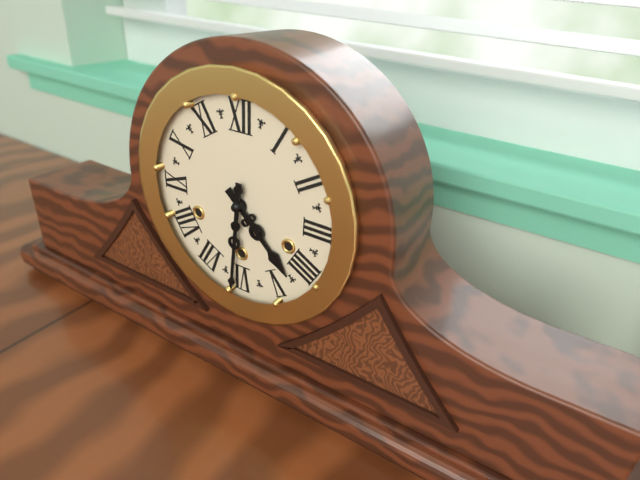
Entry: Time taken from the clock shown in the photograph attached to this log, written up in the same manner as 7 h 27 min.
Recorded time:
4 h 31 min
